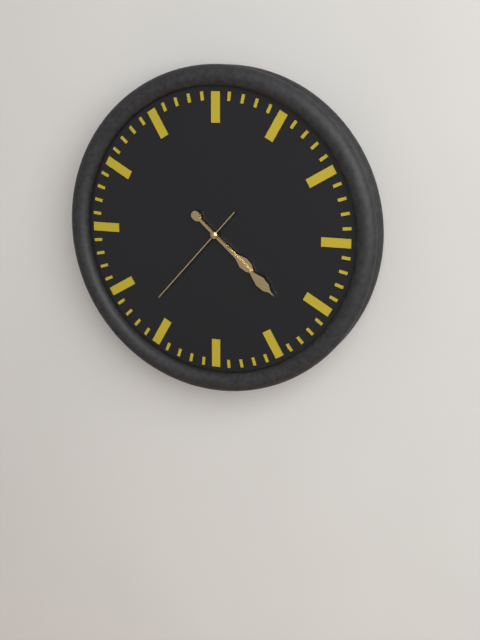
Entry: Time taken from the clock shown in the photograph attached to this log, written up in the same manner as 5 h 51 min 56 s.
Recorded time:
4 h 22 min 37 s
